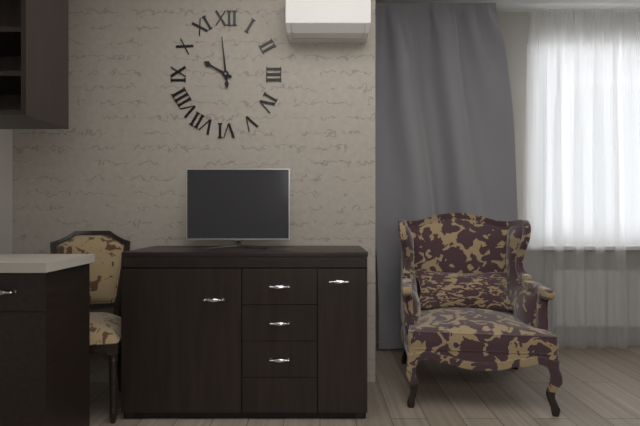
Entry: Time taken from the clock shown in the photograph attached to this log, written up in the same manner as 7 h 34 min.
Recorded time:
9 h 59 min
